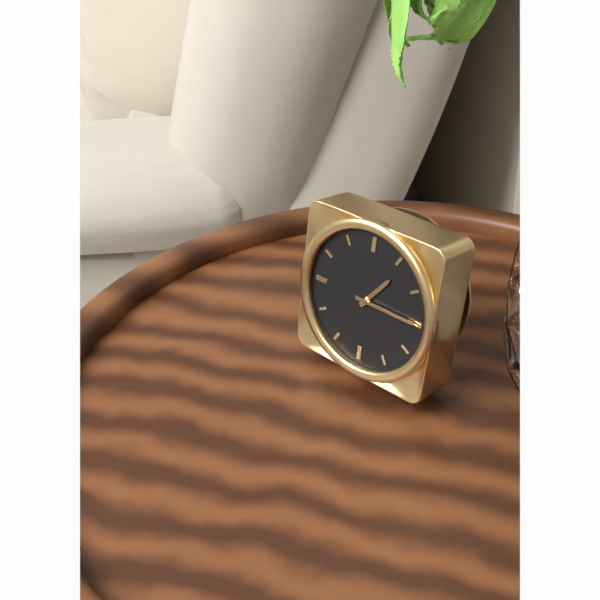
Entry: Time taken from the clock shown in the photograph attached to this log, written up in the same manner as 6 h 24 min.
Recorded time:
1 h 15 min
